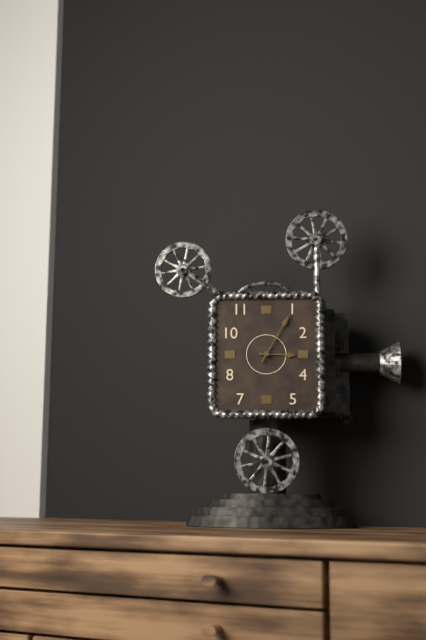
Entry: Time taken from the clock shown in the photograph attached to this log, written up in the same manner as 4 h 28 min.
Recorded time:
3 h 05 min
